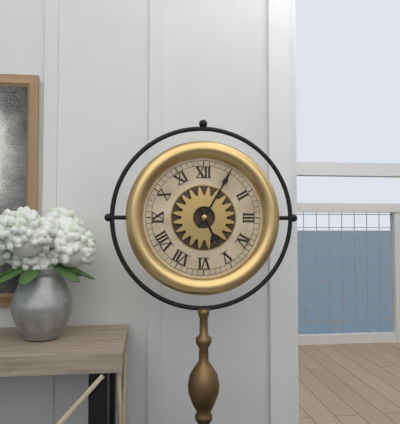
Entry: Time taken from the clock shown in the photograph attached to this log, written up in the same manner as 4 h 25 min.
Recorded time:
5 h 05 min
